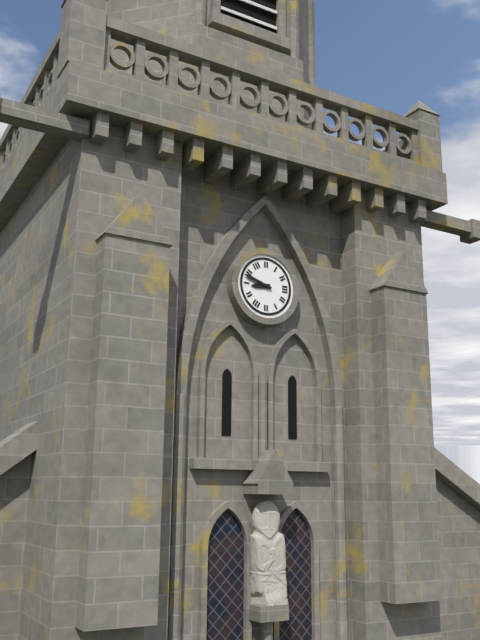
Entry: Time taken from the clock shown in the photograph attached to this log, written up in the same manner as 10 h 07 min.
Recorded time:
8 h 48 min
